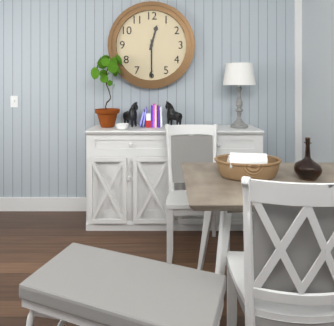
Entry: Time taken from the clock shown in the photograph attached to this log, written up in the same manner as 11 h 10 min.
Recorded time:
12 h 30 min
